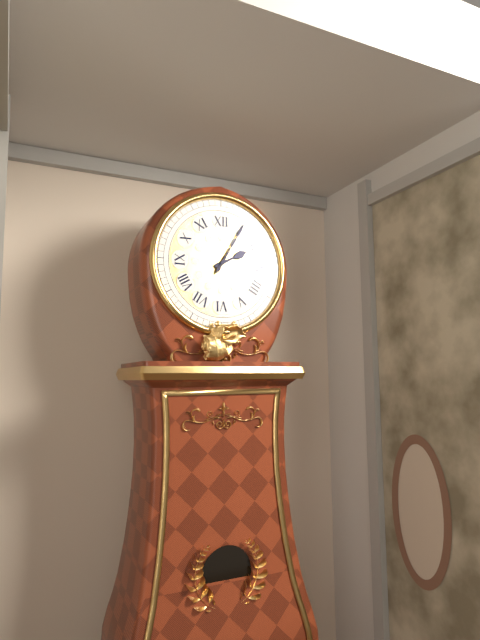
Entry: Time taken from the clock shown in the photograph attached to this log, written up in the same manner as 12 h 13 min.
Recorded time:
2 h 05 min
